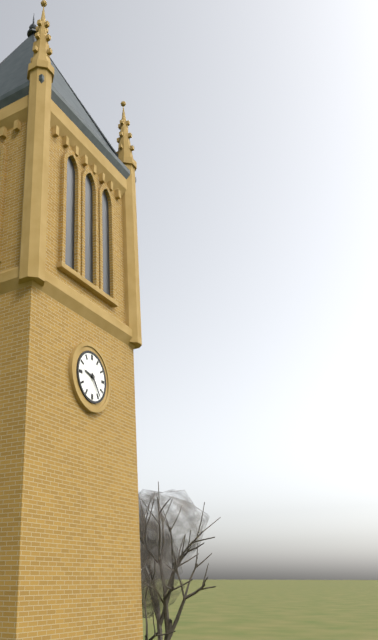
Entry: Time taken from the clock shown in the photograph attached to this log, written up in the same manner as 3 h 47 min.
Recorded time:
9 h 24 min
